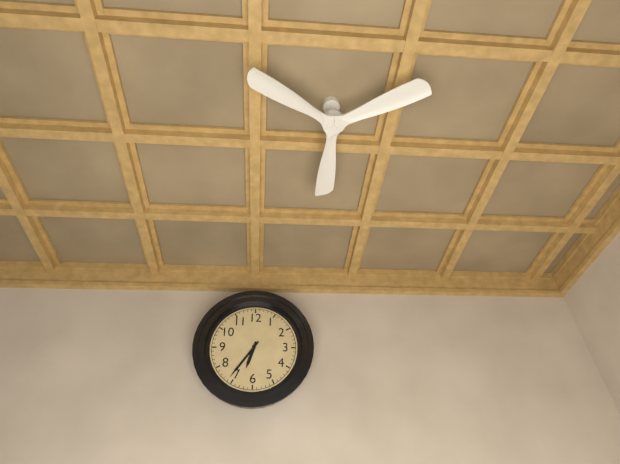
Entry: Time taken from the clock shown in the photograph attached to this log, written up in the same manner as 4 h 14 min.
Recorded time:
6 h 36 min
